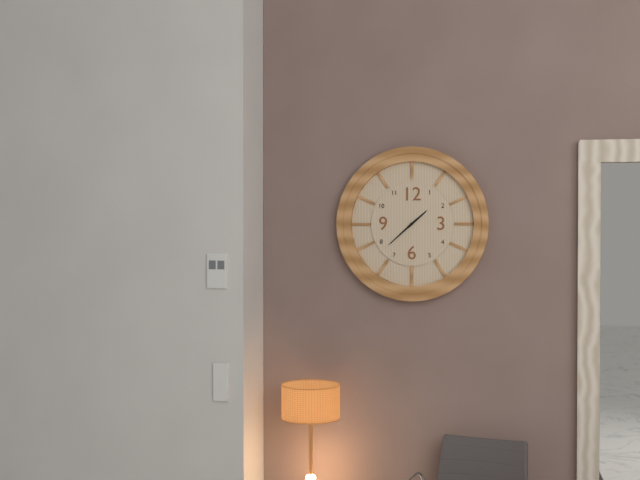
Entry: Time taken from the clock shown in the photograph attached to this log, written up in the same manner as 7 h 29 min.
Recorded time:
1 h 38 min
